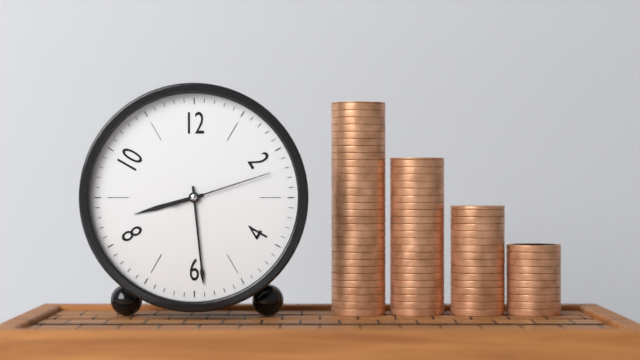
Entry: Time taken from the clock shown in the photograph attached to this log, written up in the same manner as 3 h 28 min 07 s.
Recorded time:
8 h 29 min 12 s
